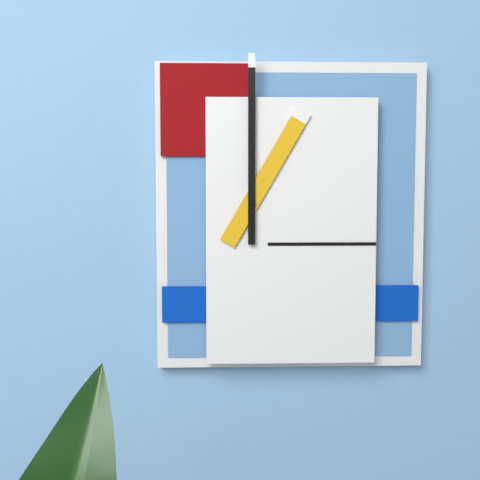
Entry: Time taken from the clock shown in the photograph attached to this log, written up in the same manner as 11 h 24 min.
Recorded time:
1 h 00 min
